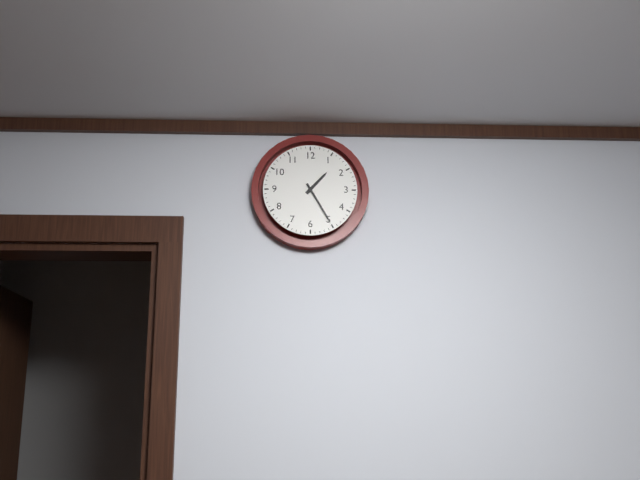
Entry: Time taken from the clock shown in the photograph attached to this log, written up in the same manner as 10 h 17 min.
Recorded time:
1 h 25 min
